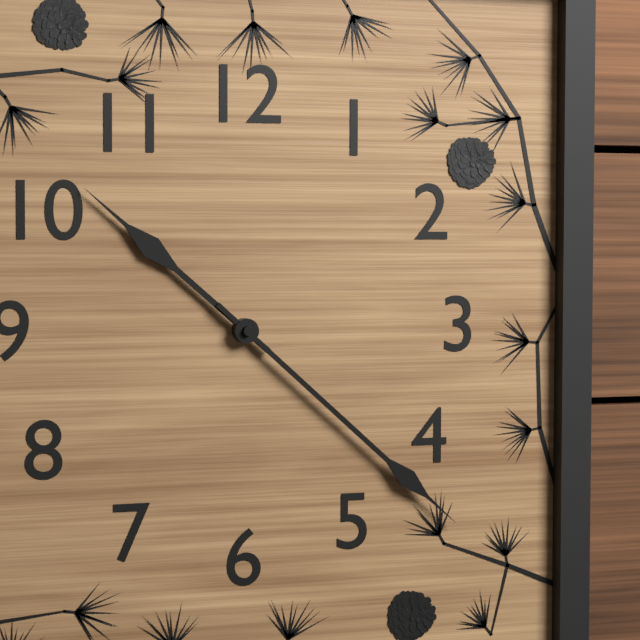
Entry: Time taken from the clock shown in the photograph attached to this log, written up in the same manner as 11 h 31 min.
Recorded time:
10 h 22 min
